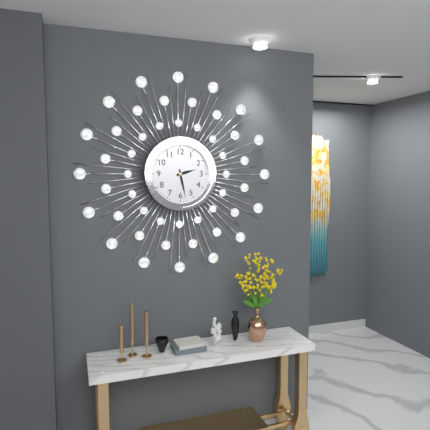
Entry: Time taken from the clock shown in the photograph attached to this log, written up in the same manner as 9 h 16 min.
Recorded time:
2 h 28 min
